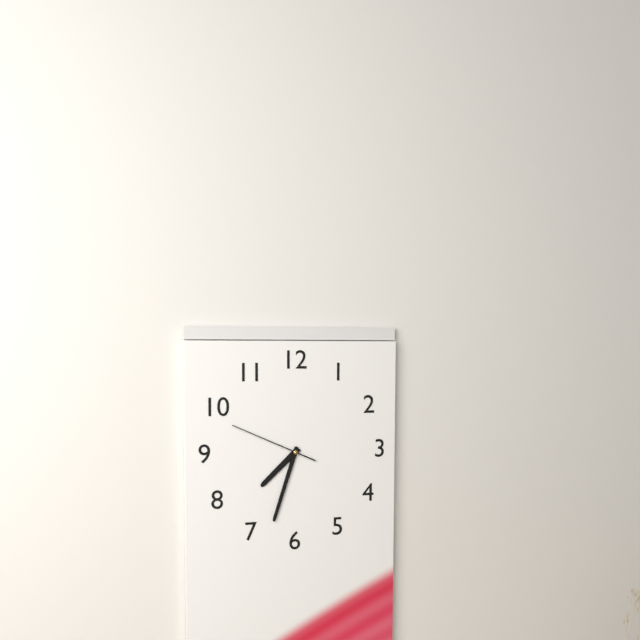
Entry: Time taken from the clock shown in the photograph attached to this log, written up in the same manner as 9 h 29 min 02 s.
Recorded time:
7 h 33 min 49 s
